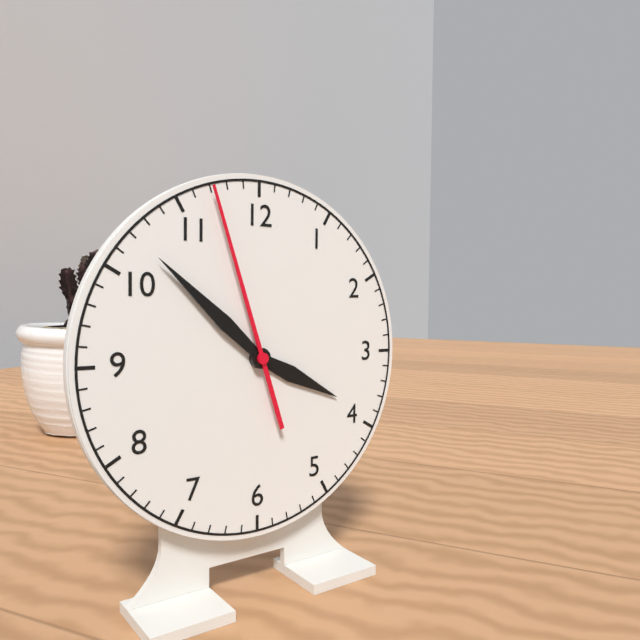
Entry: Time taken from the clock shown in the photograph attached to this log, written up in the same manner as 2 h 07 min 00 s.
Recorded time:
3 h 52 min 57 s
